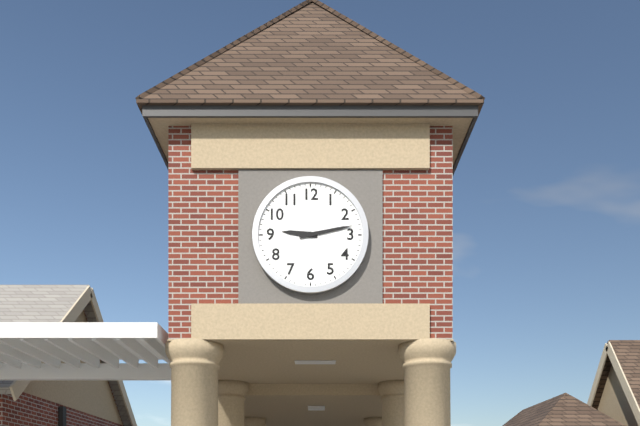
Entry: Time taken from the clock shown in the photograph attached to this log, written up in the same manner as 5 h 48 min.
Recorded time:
9 h 13 min
